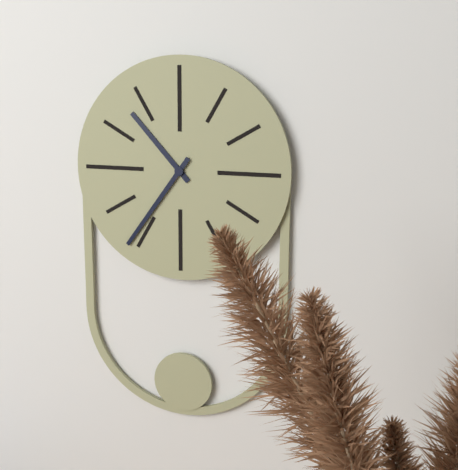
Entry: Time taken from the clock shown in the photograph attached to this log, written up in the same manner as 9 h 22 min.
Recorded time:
10 h 36 min
